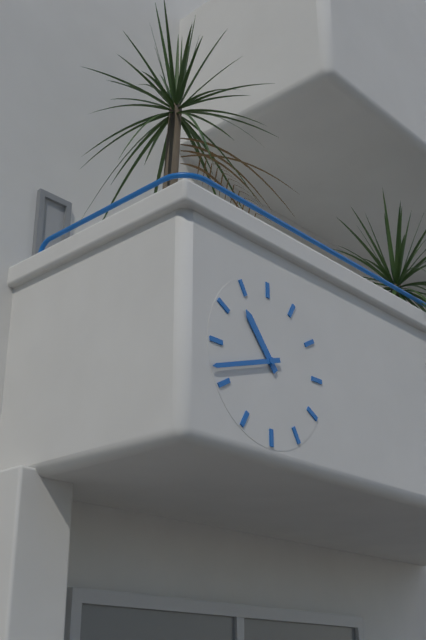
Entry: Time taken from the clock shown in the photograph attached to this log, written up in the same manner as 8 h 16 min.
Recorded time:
10 h 42 min
